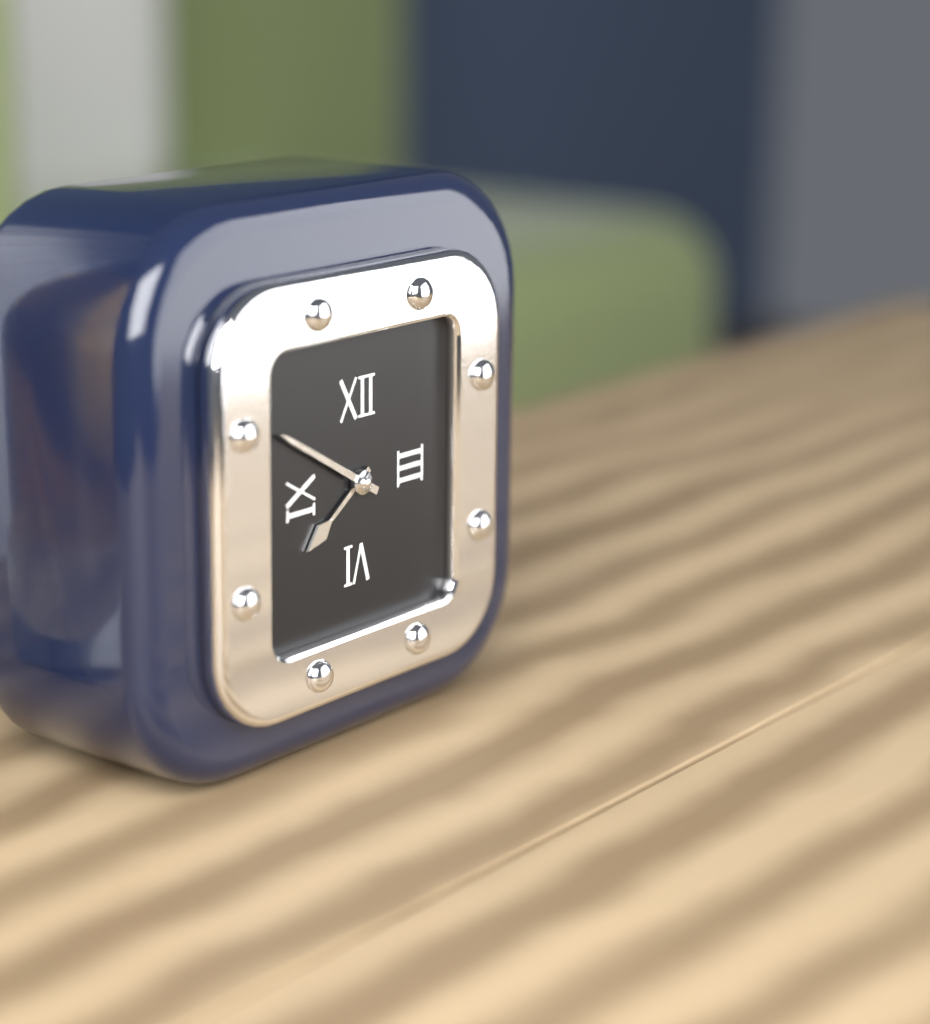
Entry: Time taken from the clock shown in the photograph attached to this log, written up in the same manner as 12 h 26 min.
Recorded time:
7 h 50 min
